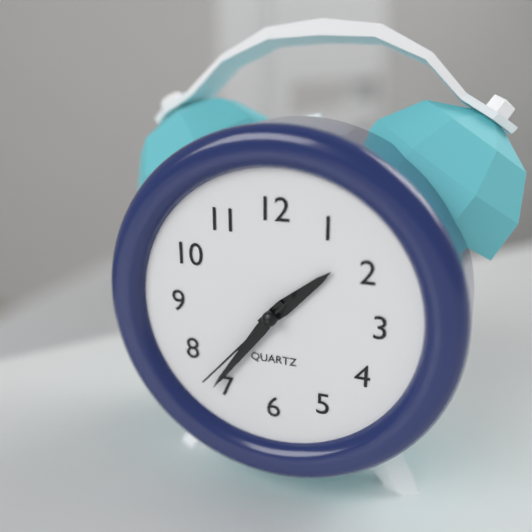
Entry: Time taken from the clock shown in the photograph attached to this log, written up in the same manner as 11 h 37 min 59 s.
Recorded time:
1 h 36 min 37 s
